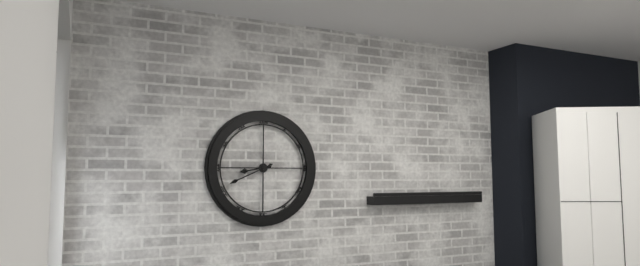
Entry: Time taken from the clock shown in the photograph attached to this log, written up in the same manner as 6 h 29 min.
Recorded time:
8 h 41 min
